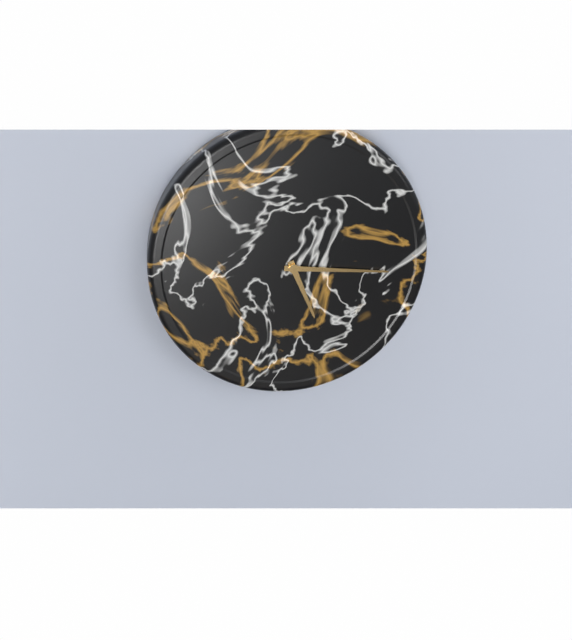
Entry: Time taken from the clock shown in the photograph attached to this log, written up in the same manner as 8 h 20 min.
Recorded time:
5 h 16 min
